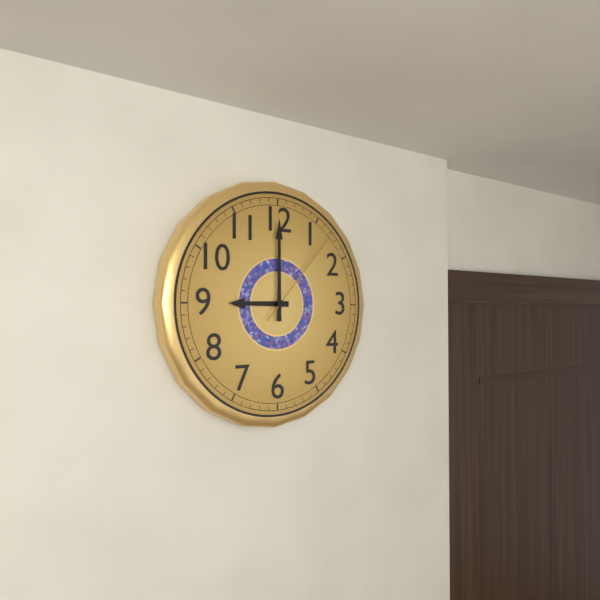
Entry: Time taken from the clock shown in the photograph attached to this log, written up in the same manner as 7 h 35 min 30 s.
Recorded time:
9 h 00 min 07 s
